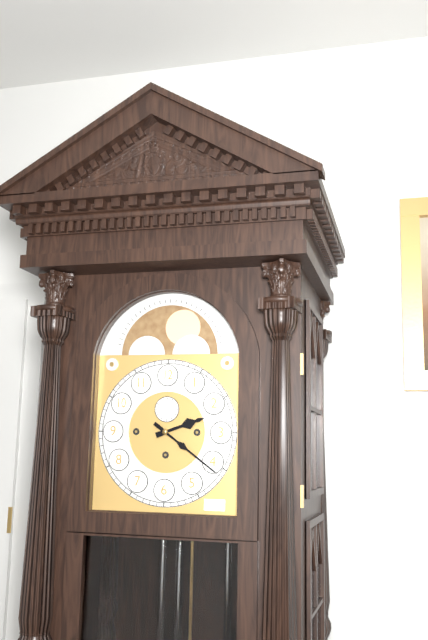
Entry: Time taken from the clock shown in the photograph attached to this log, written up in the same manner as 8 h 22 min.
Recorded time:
2 h 21 min
